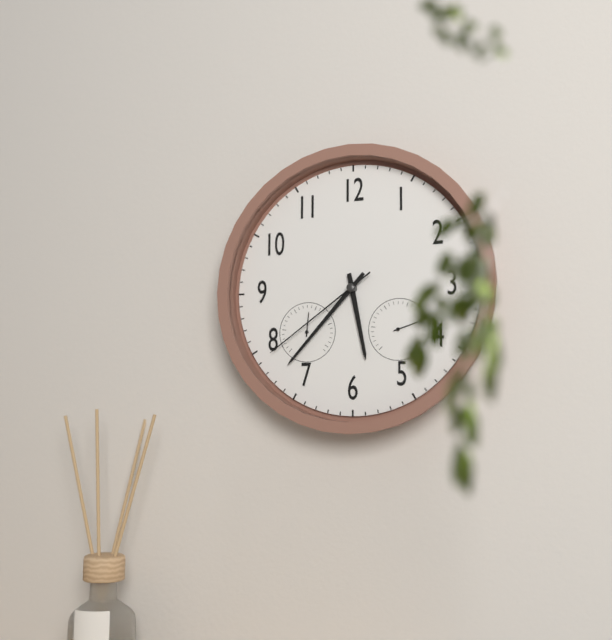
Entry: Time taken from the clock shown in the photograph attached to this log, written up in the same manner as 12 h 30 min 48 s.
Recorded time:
5 h 37 min 39 s
